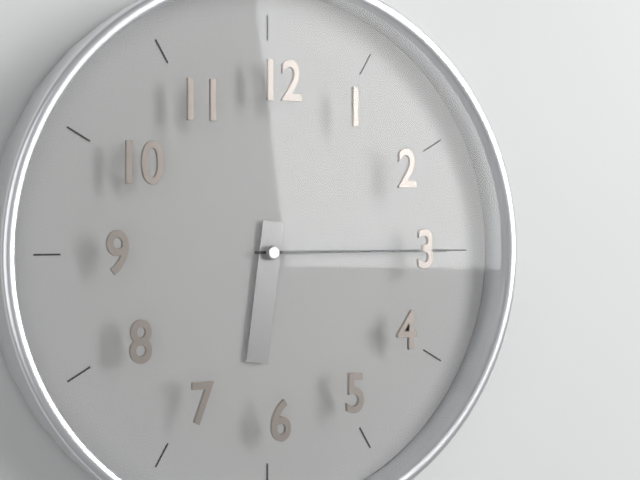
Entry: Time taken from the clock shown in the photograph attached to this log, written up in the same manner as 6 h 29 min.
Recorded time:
6 h 15 min
